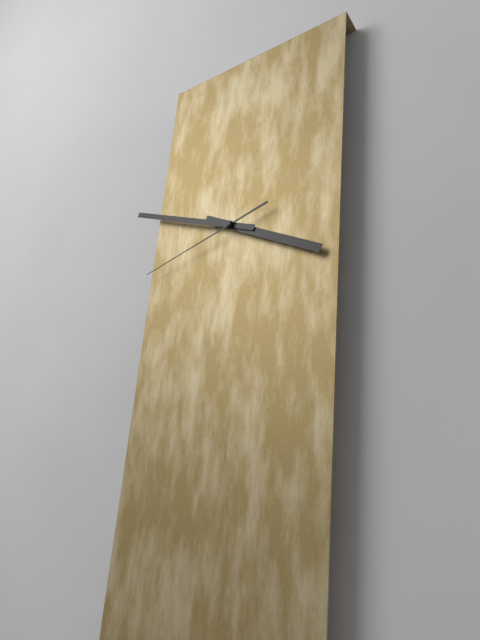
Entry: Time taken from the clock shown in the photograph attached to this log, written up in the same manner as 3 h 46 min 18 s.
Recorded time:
3 h 48 min 42 s
